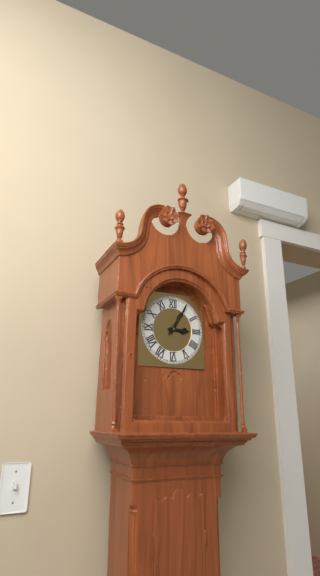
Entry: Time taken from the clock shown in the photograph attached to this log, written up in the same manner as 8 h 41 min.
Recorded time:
3 h 05 min
